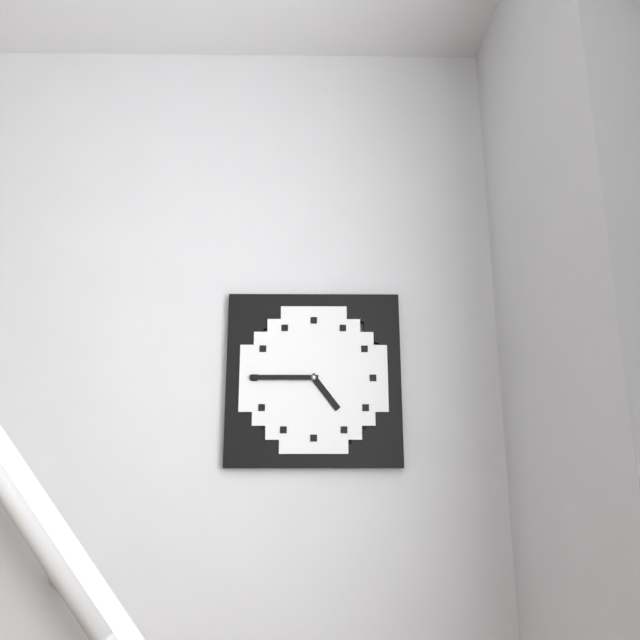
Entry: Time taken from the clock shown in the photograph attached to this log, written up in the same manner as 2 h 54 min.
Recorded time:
4 h 45 min
